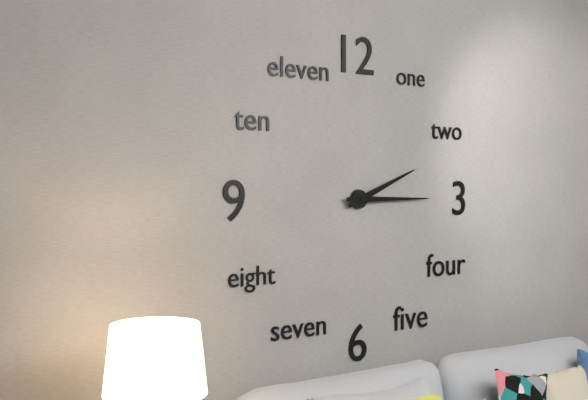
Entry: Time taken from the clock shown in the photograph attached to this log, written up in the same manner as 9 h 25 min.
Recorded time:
2 h 15 min
